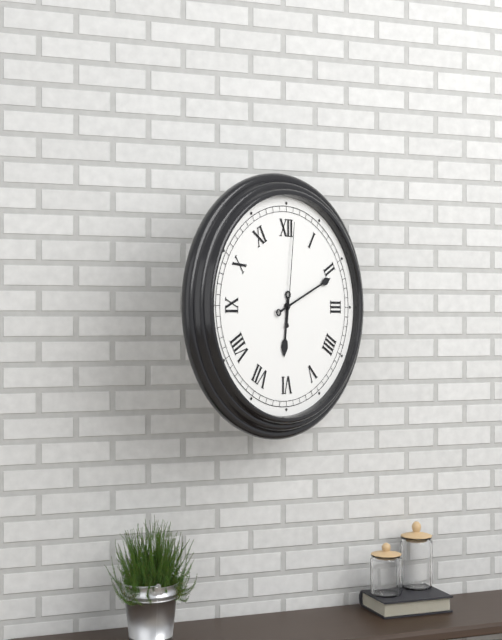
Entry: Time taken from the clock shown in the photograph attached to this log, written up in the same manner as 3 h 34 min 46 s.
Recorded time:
6 h 11 min 01 s
